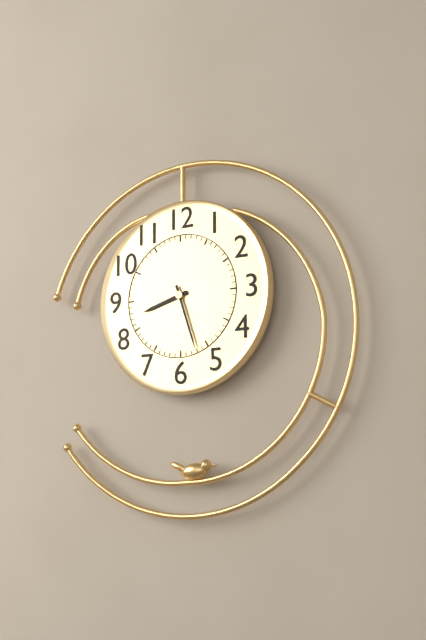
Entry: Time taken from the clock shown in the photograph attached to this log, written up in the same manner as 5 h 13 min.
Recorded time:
8 h 27 min
